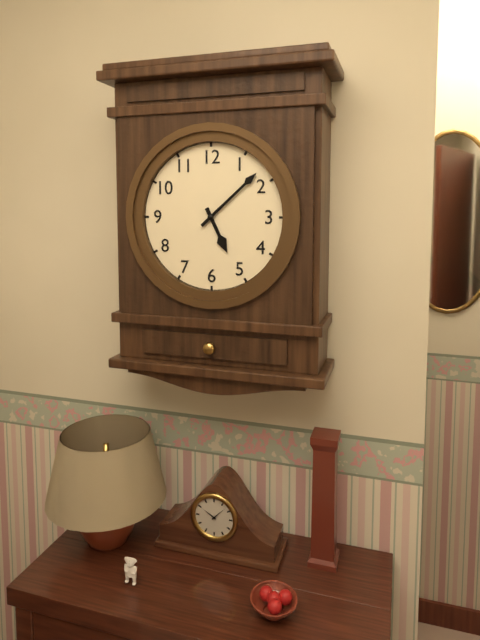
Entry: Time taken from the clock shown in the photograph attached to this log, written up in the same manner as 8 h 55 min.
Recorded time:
5 h 08 min
